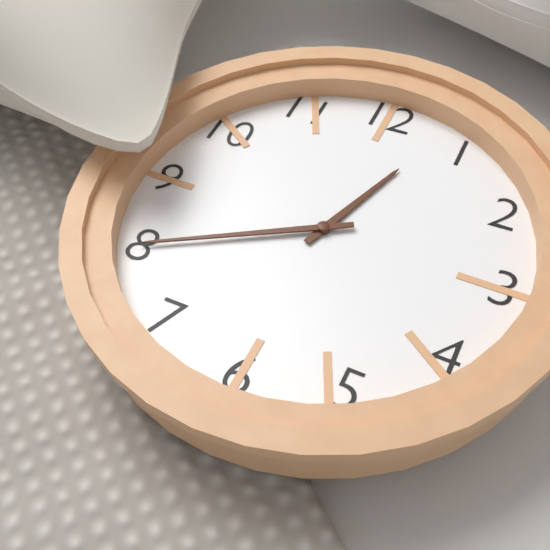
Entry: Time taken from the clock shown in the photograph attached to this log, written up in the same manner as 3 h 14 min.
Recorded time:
12 h 40 min
